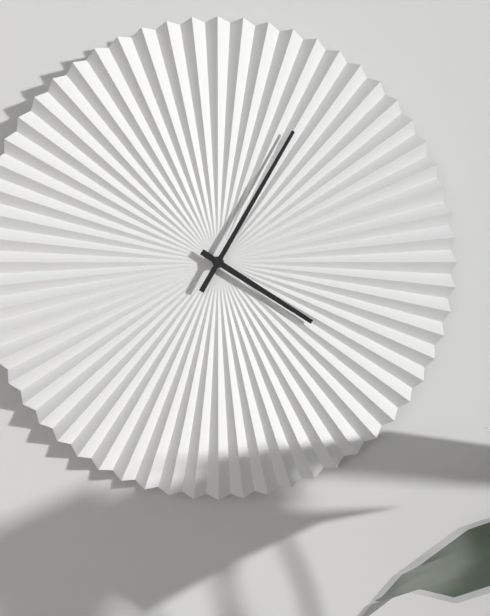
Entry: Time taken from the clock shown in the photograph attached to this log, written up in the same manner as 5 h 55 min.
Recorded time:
4 h 05 min
